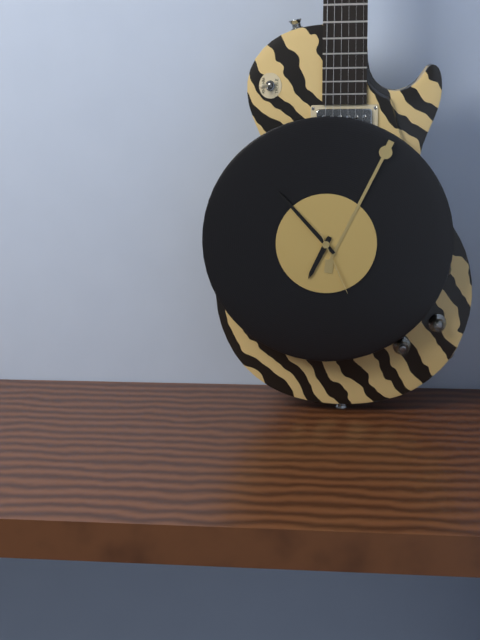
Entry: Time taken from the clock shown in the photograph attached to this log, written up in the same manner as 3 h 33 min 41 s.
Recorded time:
6 h 53 min 26 s
